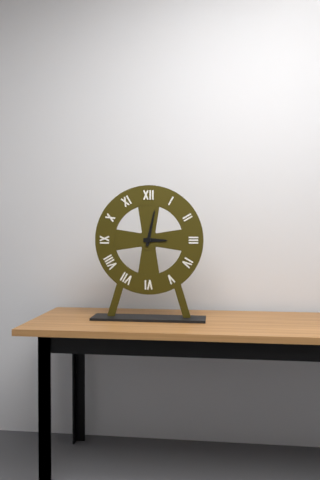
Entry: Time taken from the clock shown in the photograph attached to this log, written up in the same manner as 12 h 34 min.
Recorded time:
3 h 02 min
